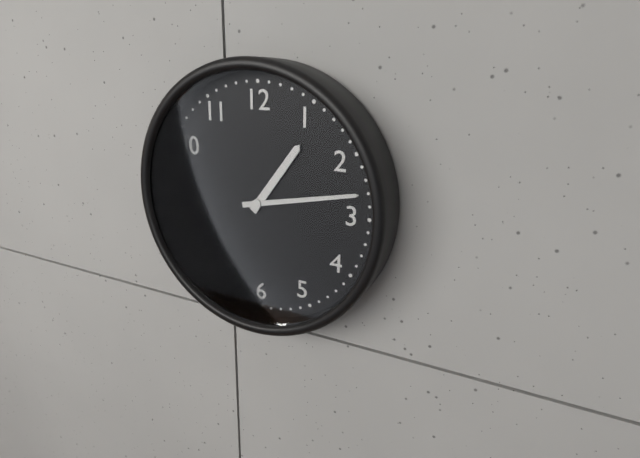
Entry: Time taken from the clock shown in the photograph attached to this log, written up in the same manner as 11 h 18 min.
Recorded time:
1 h 13 min
